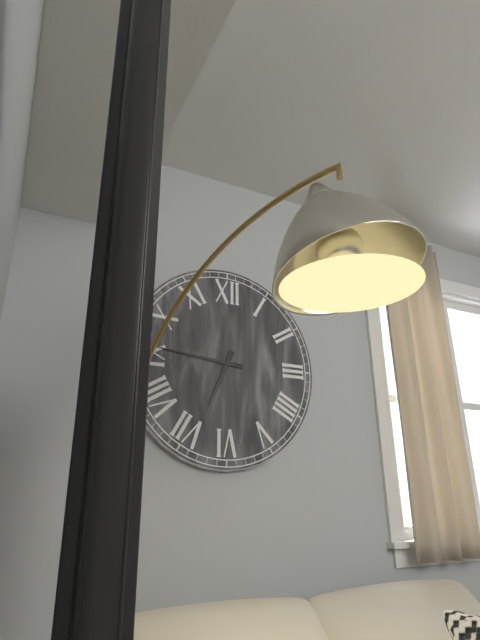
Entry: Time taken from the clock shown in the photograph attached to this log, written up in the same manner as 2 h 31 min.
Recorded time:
6 h 46 min
